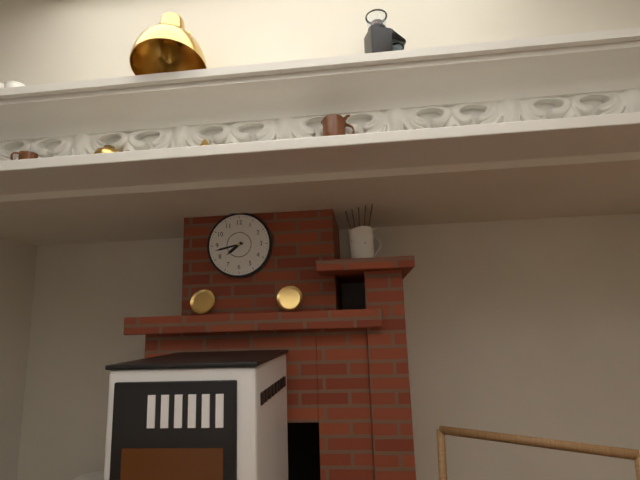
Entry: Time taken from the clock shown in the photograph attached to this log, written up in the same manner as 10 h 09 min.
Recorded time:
7 h 43 min
